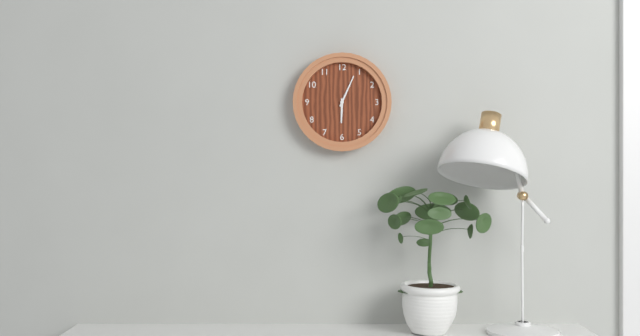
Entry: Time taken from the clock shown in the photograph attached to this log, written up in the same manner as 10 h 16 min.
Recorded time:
6 h 04 min
